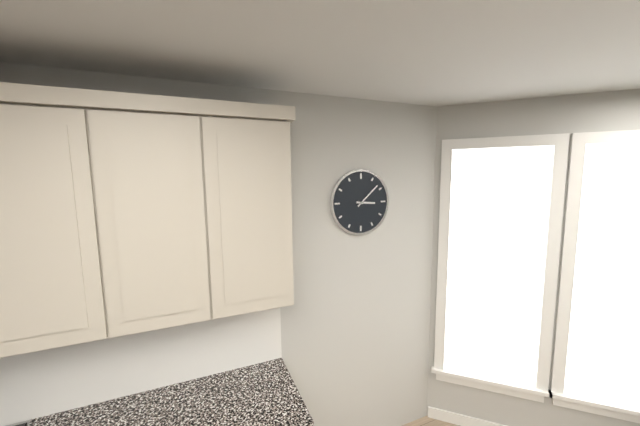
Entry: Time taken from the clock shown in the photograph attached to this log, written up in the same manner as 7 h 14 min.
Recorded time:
3 h 08 min
